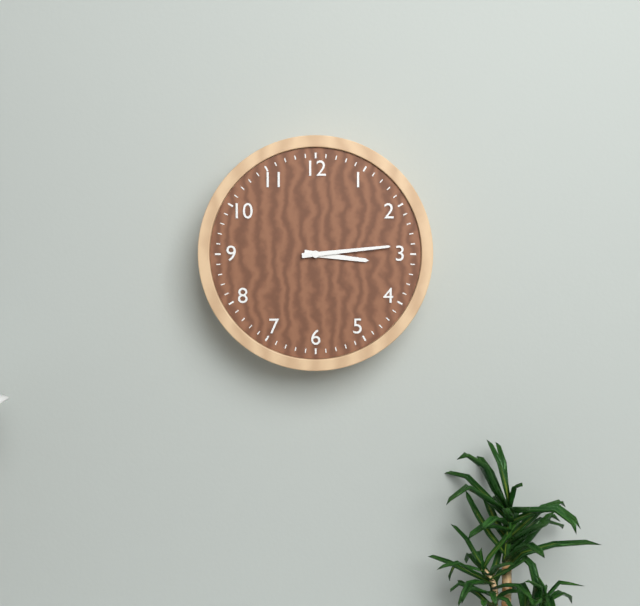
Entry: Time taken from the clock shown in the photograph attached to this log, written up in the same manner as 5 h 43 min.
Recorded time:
3 h 14 min
